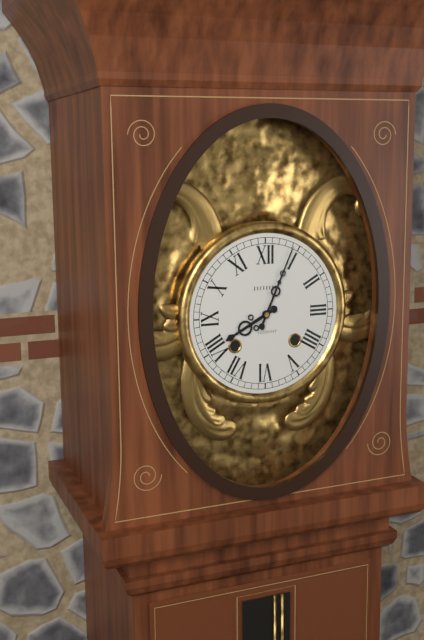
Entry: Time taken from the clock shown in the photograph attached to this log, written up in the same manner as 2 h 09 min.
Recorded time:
8 h 04 min
